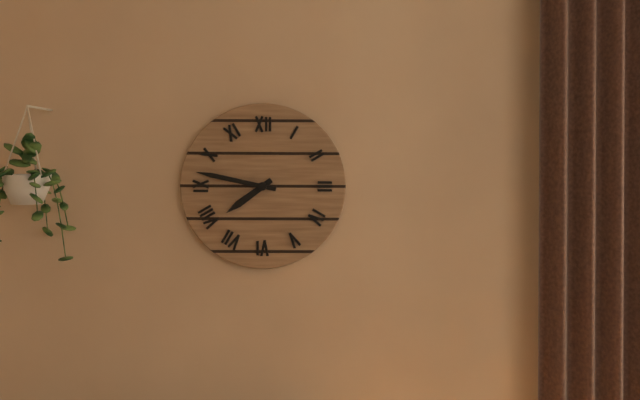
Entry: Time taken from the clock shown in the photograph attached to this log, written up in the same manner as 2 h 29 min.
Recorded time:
7 h 47 min
